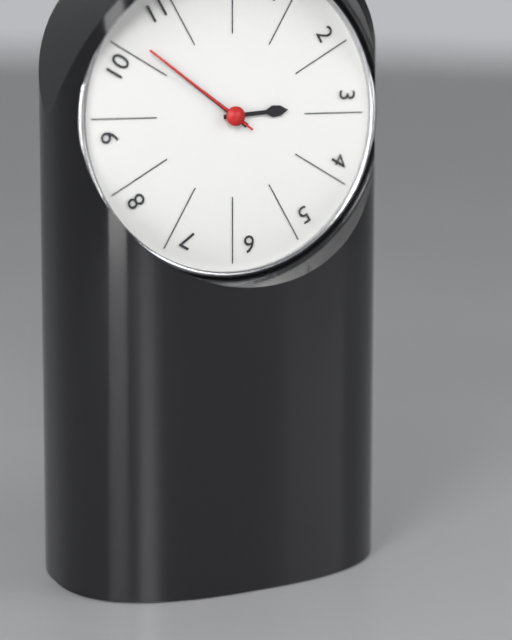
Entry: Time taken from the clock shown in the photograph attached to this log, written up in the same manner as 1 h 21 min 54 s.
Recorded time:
2 h 51 min 51 s
